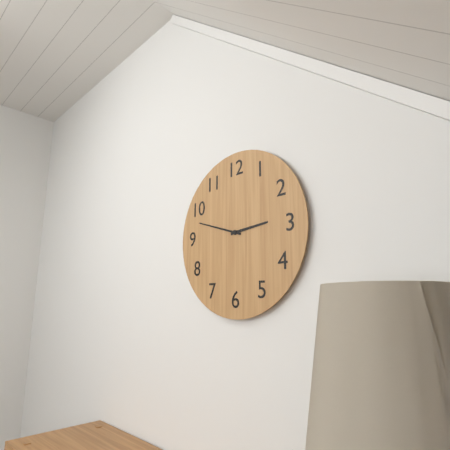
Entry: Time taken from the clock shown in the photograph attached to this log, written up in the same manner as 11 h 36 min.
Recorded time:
2 h 48 min
